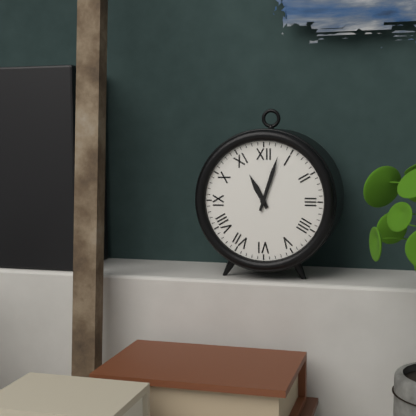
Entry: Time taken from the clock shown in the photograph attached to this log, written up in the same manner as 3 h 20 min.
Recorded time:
11 h 03 min
